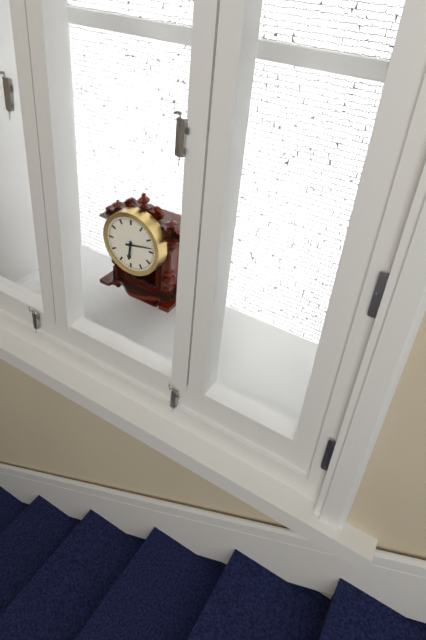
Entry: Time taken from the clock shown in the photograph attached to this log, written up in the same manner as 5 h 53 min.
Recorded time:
6 h 13 min
